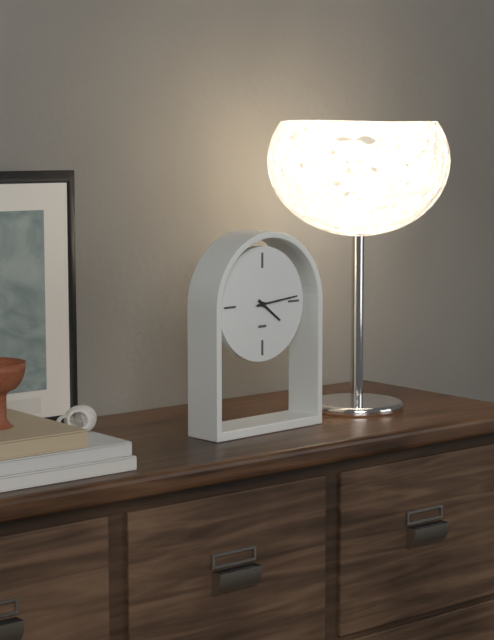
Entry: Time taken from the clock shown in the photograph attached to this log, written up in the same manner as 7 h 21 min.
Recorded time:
4 h 14 min
